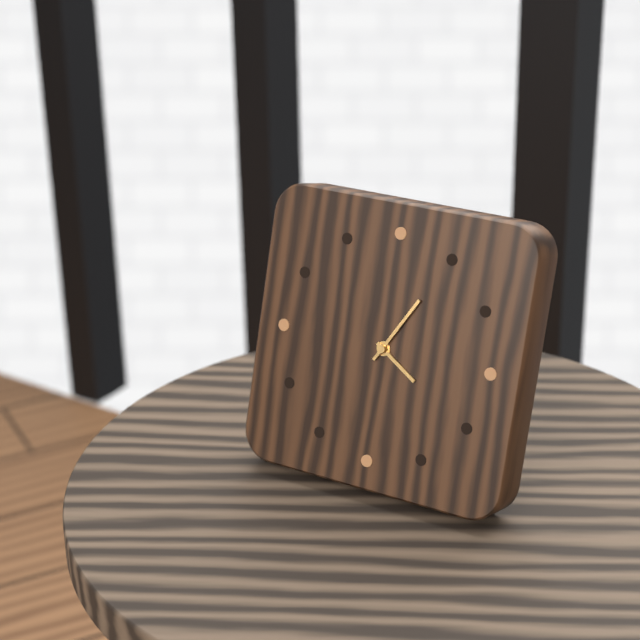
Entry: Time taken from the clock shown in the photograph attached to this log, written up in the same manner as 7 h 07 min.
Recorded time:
4 h 05 min
